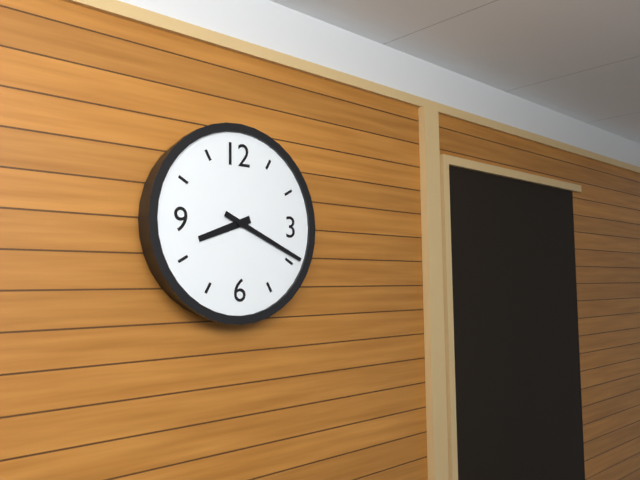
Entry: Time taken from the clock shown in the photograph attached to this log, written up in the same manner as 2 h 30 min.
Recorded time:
8 h 19 min
